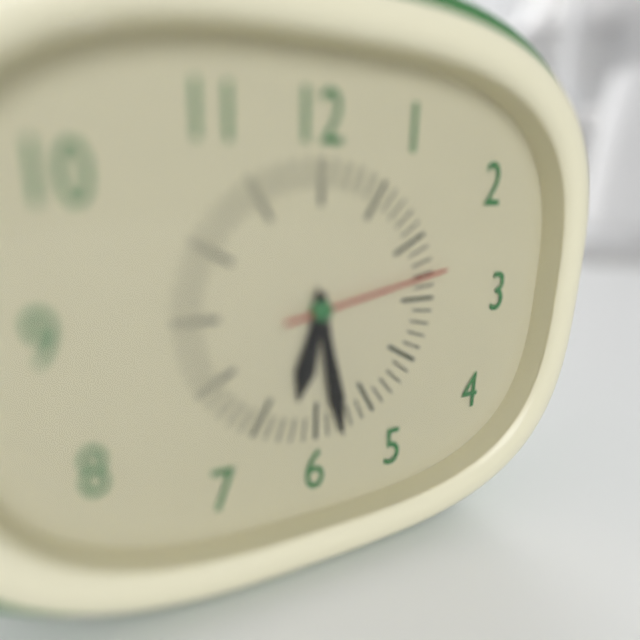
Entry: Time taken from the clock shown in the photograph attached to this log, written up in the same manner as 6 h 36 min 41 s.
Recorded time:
6 h 28 min 13 s
